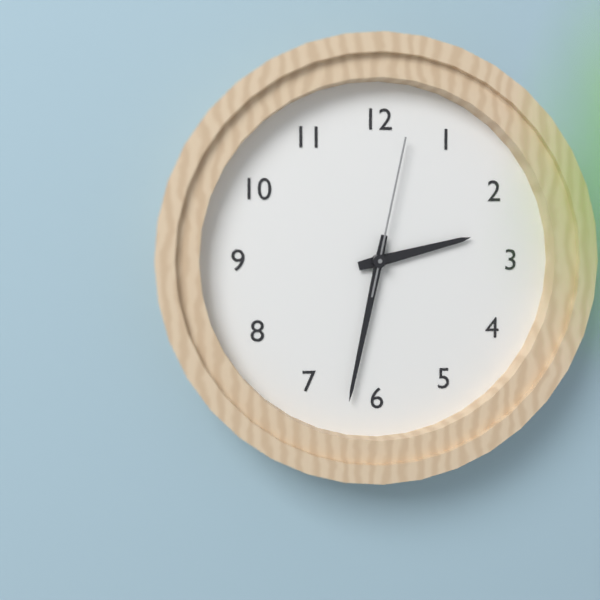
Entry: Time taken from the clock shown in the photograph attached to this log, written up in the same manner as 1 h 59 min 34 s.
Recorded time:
2 h 32 min 02 s
